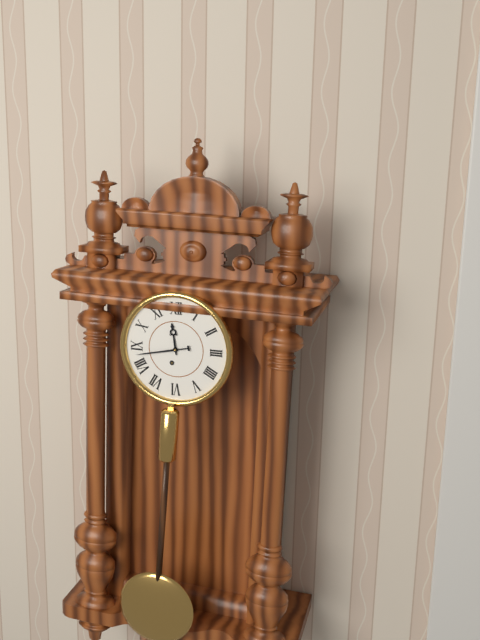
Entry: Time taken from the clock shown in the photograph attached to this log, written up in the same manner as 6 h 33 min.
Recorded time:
11 h 43 min
